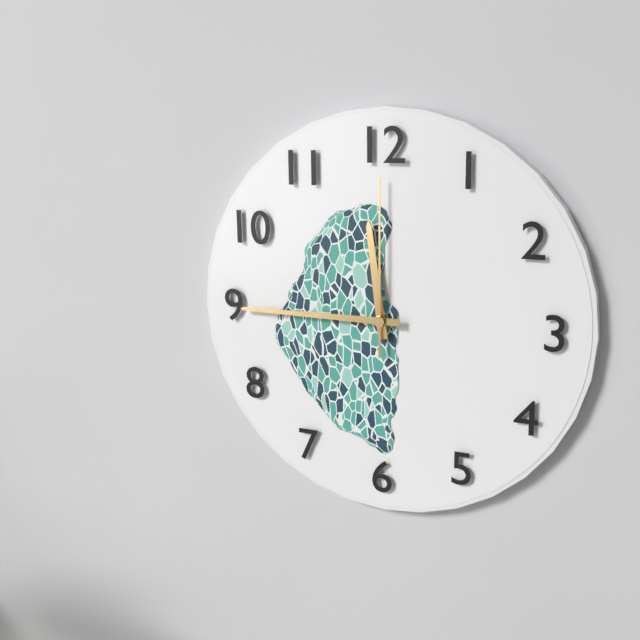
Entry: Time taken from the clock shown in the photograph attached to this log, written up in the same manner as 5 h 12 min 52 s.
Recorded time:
11 h 45 min 00 s
